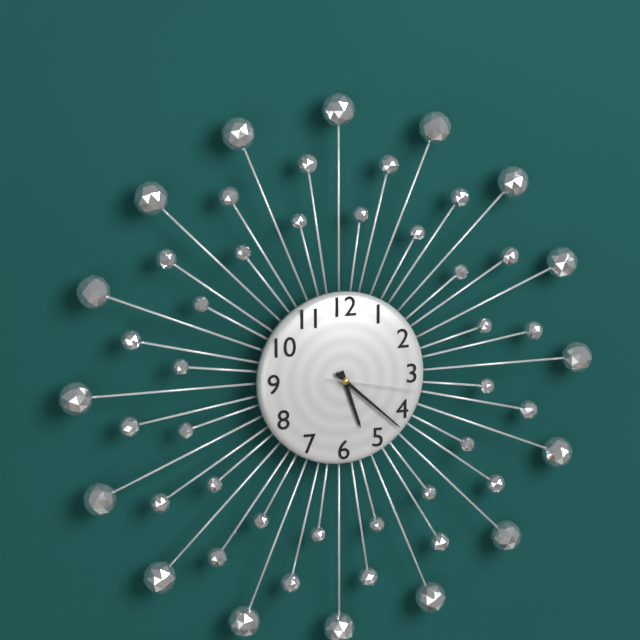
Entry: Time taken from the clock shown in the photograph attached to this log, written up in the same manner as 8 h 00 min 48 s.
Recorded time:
5 h 22 min 17 s
